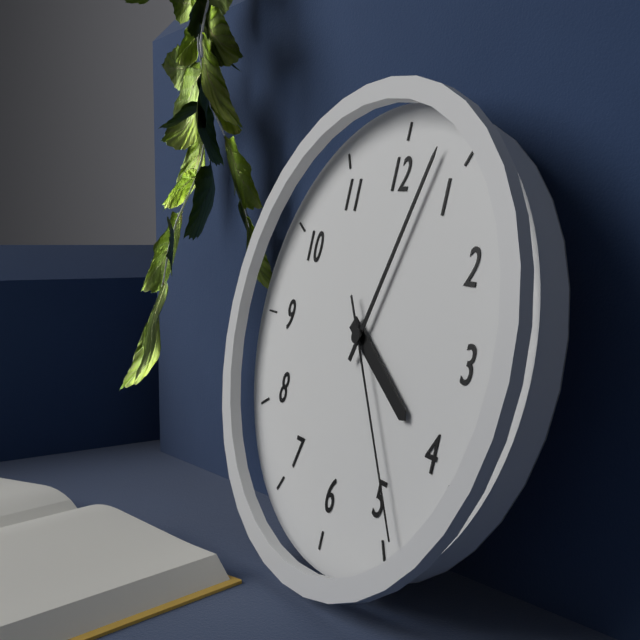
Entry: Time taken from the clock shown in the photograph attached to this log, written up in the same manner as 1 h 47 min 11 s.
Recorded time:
4 h 03 min 24 s
